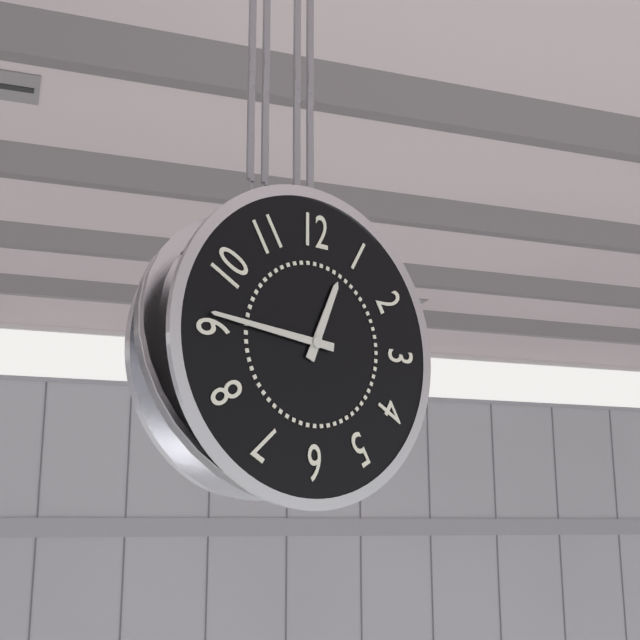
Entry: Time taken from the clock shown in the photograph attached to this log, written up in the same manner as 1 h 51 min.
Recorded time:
12 h 46 min
